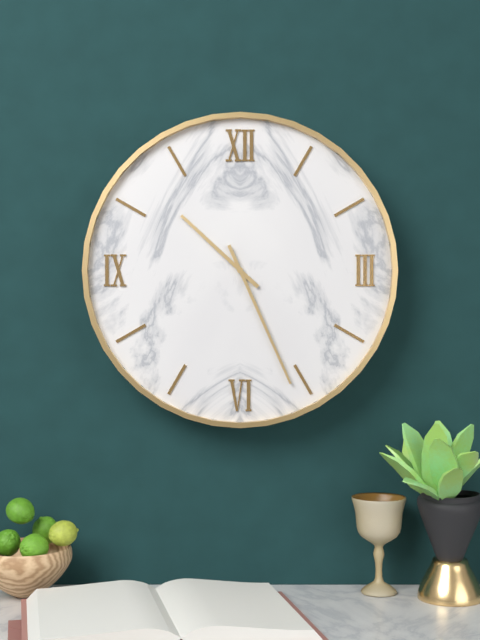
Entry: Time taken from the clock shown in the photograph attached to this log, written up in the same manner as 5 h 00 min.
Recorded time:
10 h 26 min
